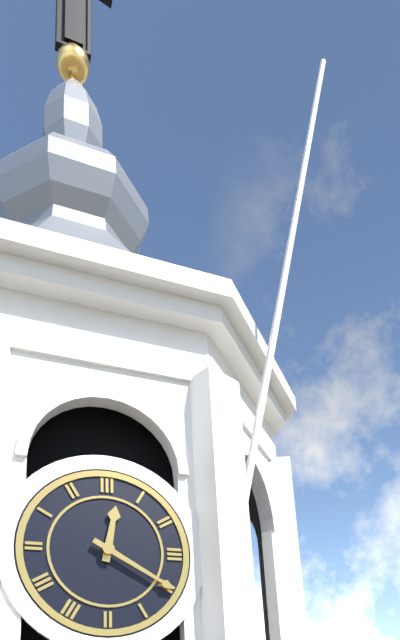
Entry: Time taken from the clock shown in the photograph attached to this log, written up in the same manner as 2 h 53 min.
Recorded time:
12 h 20 min
